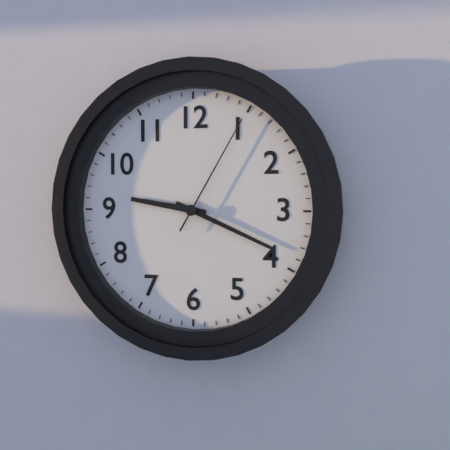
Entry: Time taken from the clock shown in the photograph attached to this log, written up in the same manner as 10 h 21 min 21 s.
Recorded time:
9 h 19 min 05 s
